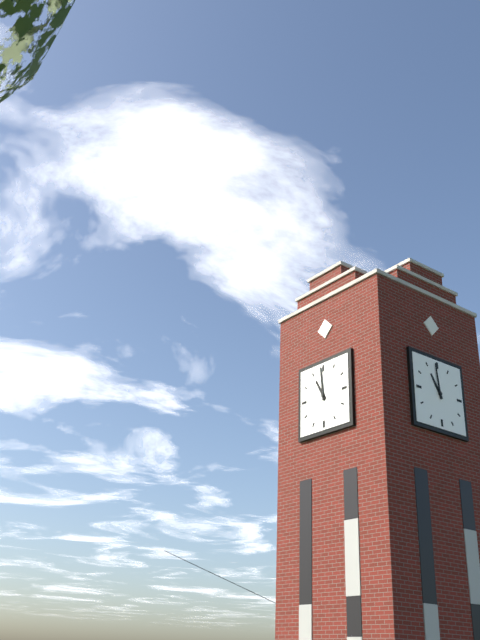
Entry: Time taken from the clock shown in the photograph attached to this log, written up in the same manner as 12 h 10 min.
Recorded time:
10 h 59 min
